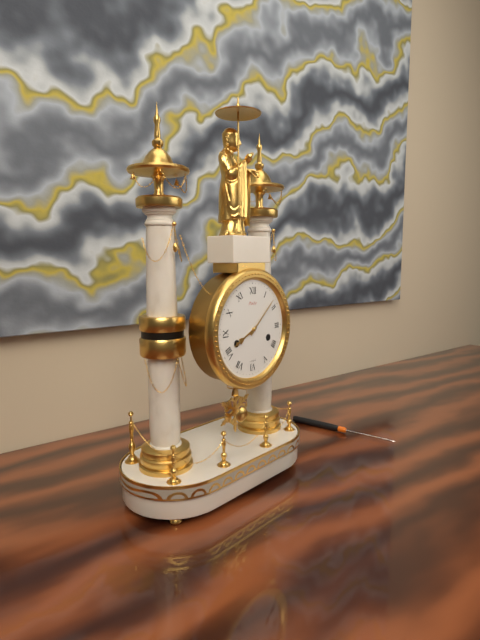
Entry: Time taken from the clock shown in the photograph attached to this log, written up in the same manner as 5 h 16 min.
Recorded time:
8 h 08 min
